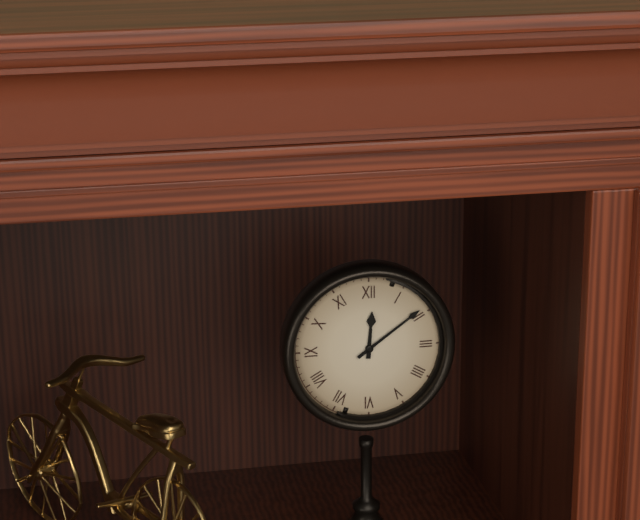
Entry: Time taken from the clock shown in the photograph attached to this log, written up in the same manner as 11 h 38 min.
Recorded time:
12 h 09 min
